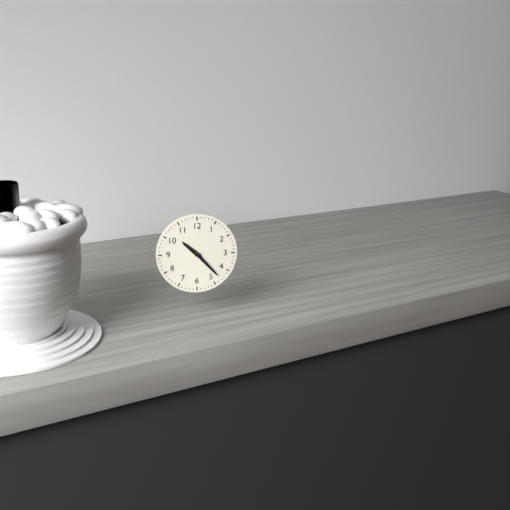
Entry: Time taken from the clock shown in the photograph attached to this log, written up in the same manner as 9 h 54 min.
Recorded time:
10 h 23 min
